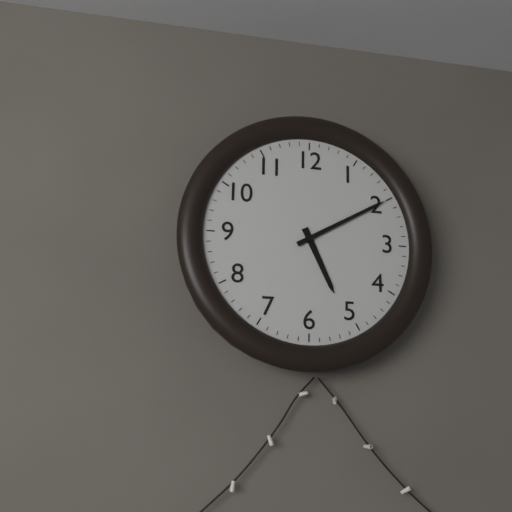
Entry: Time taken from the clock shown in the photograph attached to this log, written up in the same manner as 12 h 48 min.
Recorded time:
5 h 10 min
